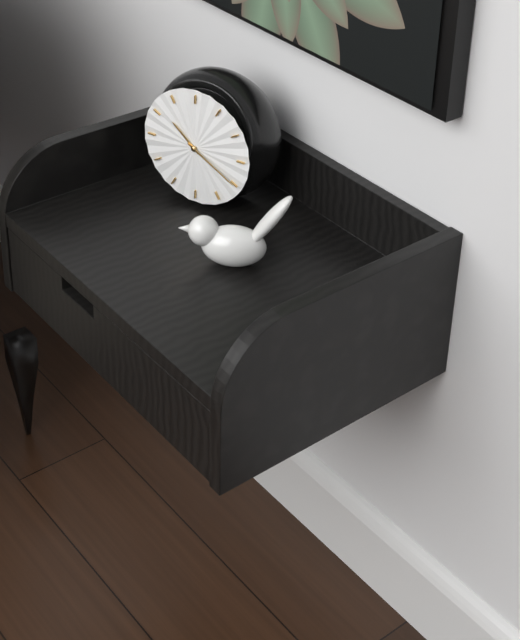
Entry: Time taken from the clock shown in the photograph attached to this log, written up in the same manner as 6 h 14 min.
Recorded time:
10 h 20 min
